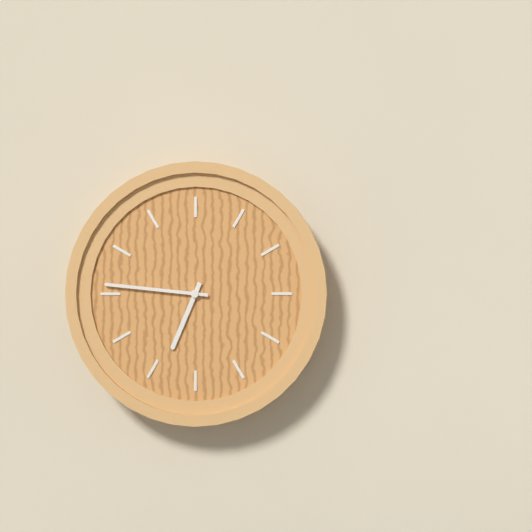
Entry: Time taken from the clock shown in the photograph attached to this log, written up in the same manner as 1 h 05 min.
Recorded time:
6 h 46 min
